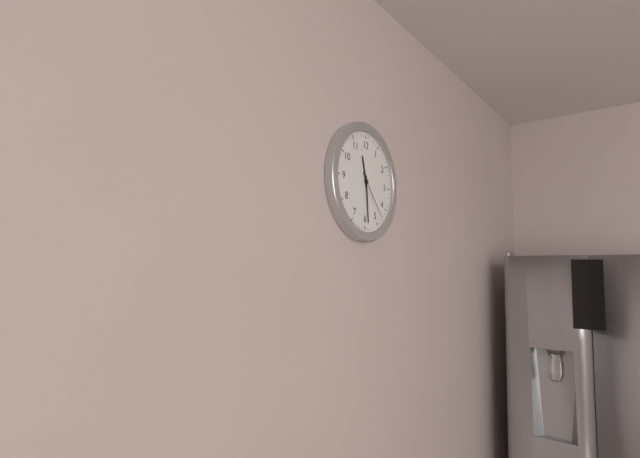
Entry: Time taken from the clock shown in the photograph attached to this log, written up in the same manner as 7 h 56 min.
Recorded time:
11 h 29 min
